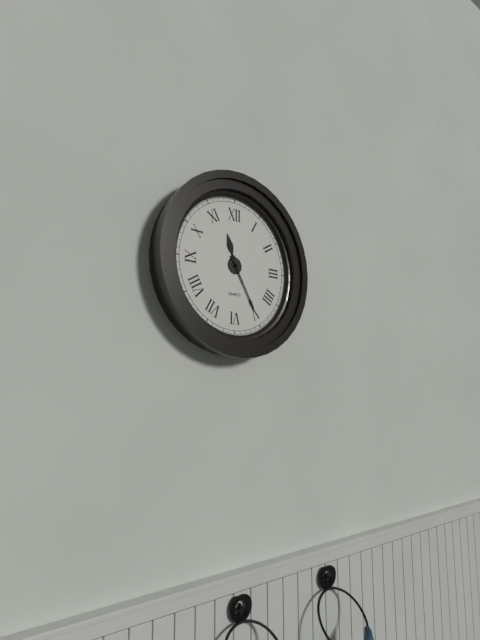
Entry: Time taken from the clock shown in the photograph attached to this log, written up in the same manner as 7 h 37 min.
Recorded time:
11 h 25 min
